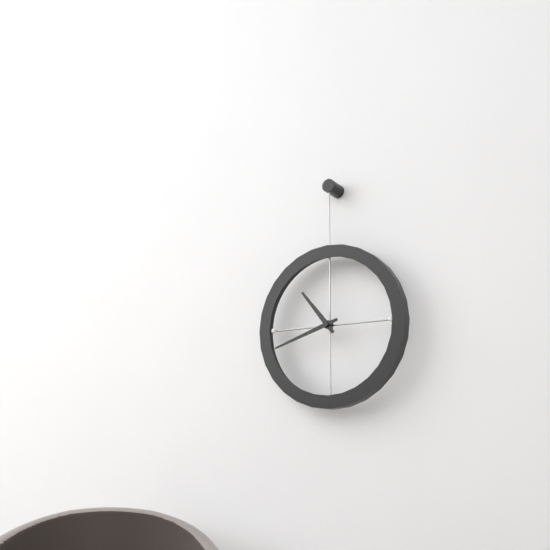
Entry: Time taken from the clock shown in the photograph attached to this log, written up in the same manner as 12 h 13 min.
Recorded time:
10 h 42 min
